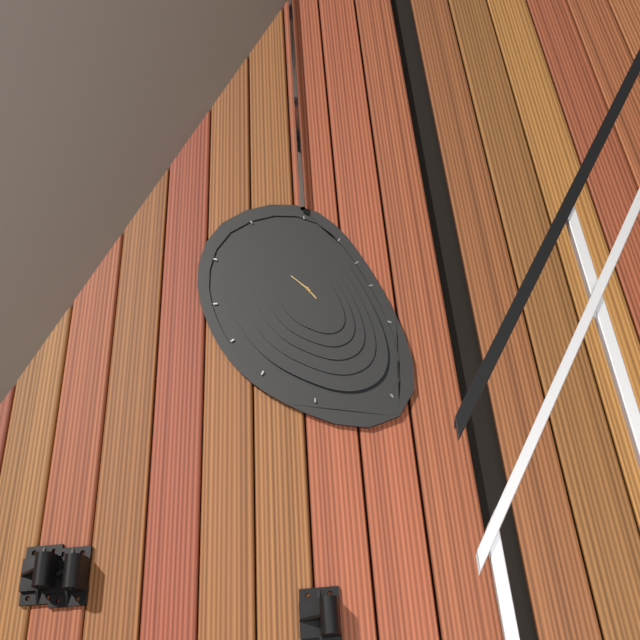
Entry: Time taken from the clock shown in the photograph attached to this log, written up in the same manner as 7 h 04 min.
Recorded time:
4 h 53 min
